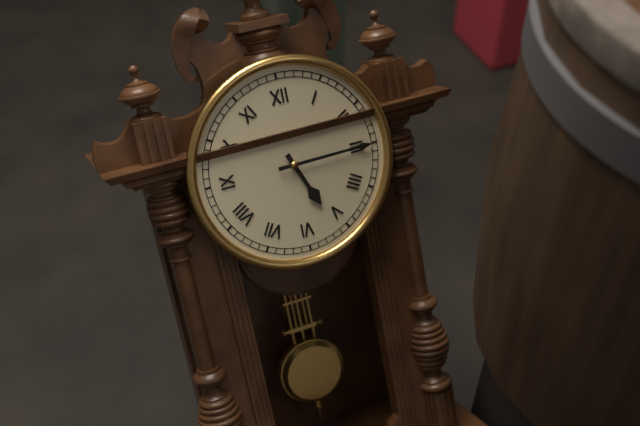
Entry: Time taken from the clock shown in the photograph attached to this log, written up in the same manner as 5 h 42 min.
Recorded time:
5 h 15 min
